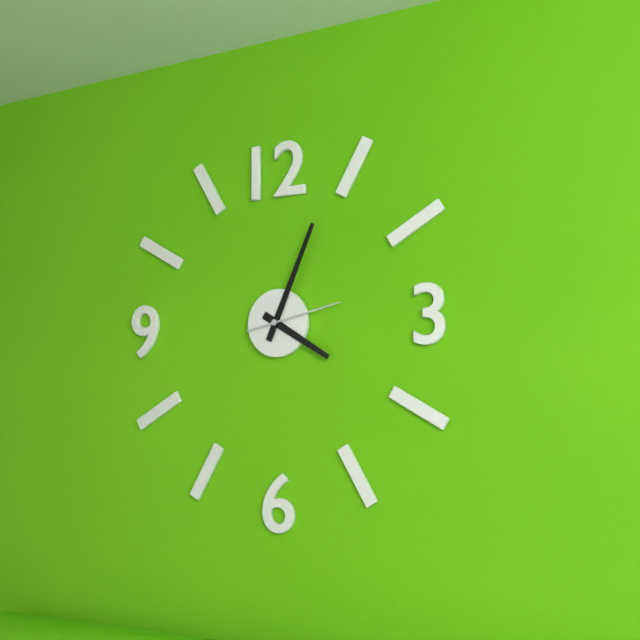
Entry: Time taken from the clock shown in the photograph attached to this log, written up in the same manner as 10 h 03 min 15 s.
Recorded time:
4 h 04 min 13 s
